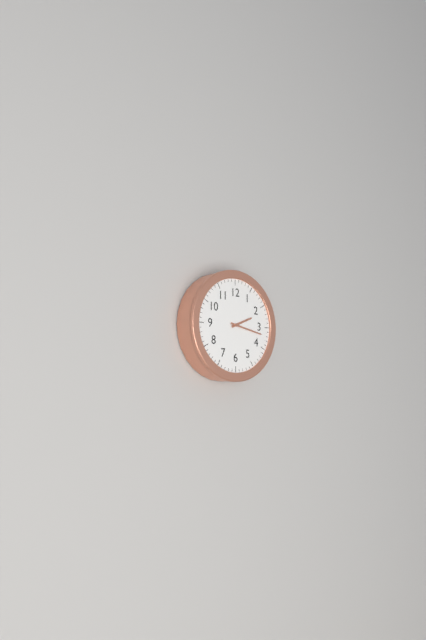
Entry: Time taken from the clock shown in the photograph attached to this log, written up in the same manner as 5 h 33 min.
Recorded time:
2 h 17 min
